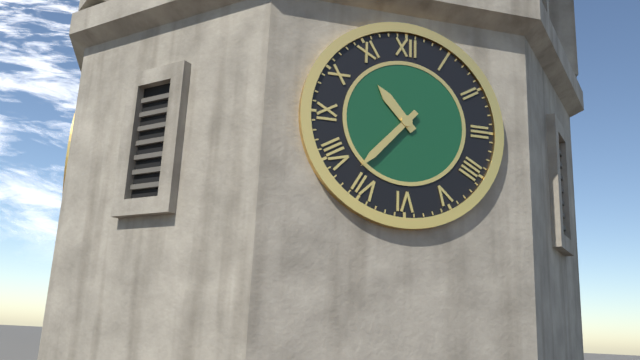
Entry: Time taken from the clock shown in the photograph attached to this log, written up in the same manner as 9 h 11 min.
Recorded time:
10 h 37 min
